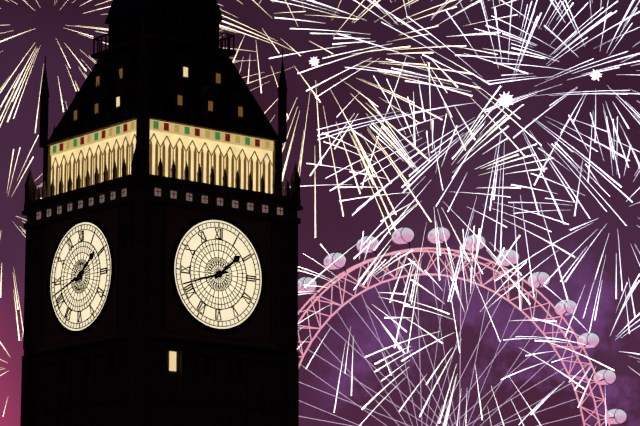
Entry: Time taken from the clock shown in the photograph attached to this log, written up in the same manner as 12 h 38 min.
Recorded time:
1 h 42 min
